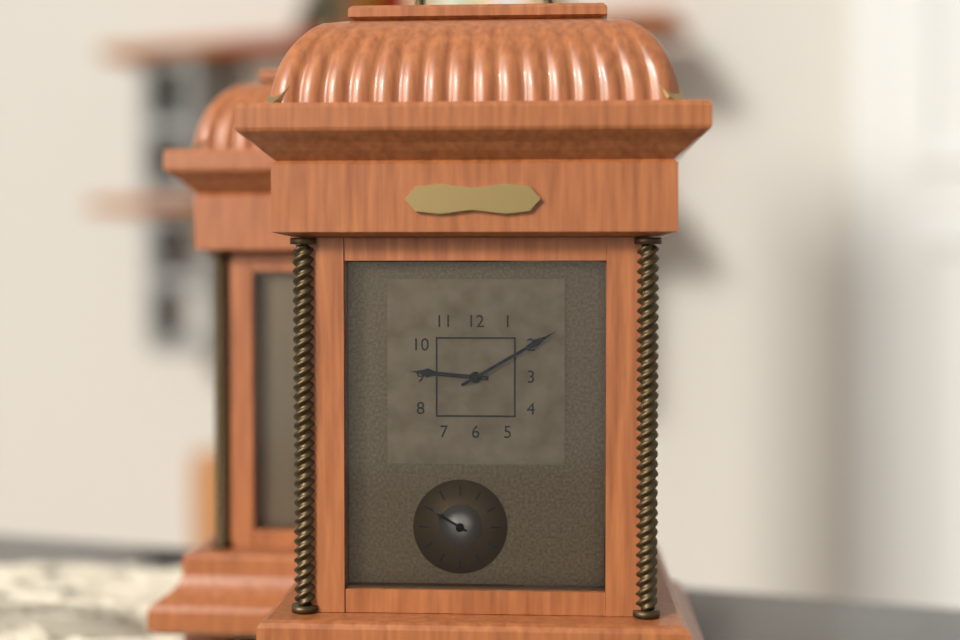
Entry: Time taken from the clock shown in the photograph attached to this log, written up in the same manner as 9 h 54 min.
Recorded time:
9 h 10 min
